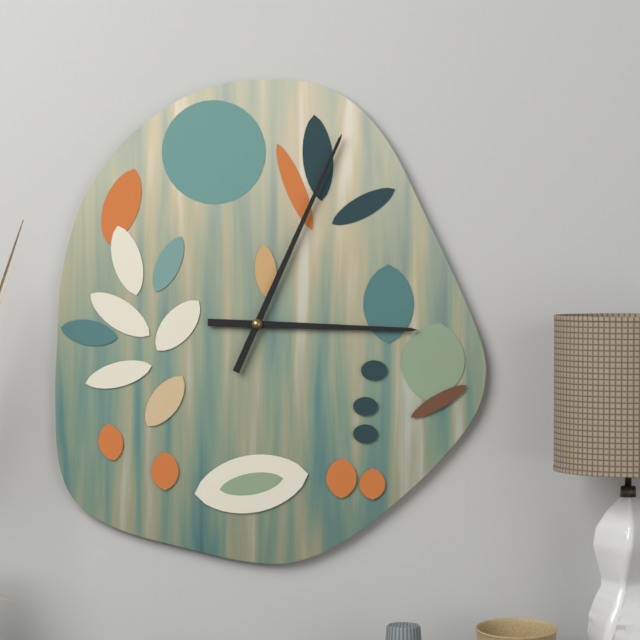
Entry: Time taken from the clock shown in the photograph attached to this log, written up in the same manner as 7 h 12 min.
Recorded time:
3 h 04 min
